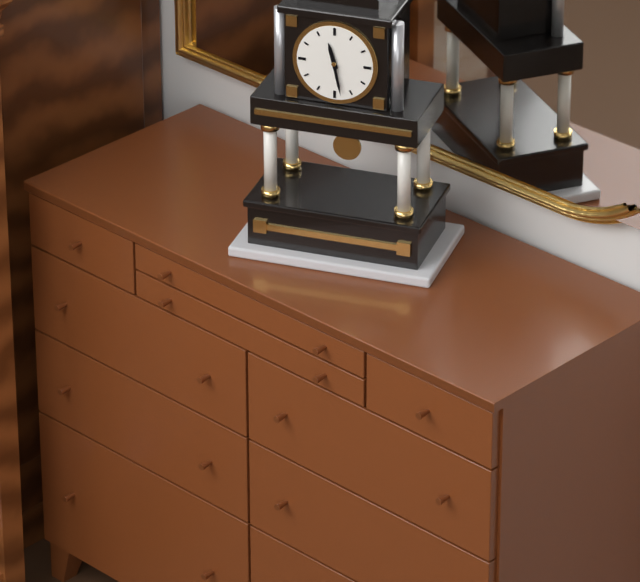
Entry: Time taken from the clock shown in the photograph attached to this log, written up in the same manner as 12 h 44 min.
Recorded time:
11 h 28 min
